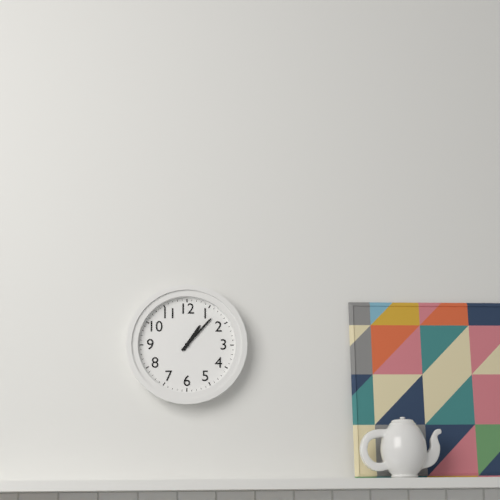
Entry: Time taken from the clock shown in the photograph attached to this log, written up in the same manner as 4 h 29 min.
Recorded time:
1 h 07 min
